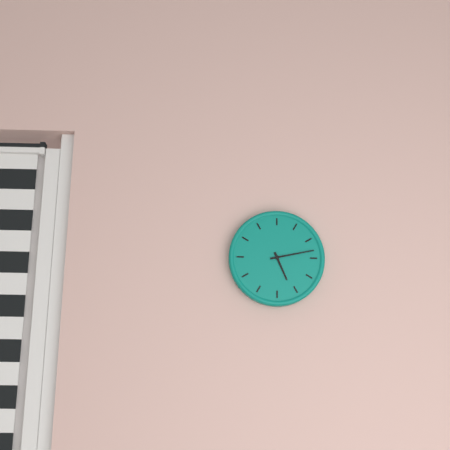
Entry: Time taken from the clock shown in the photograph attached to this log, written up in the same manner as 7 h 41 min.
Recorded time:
5 h 13 min
